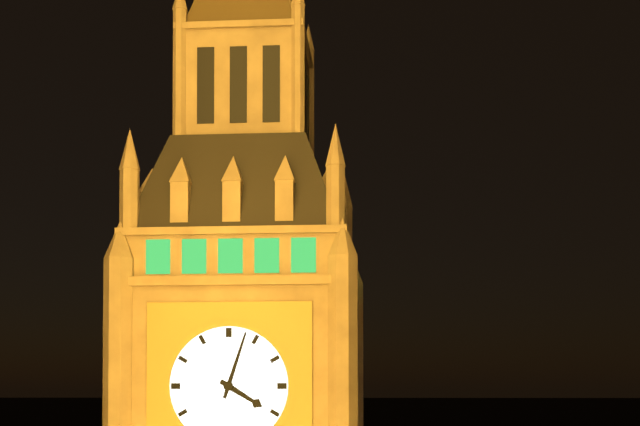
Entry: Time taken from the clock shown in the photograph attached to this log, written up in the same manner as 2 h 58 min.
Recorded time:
4 h 03 min
